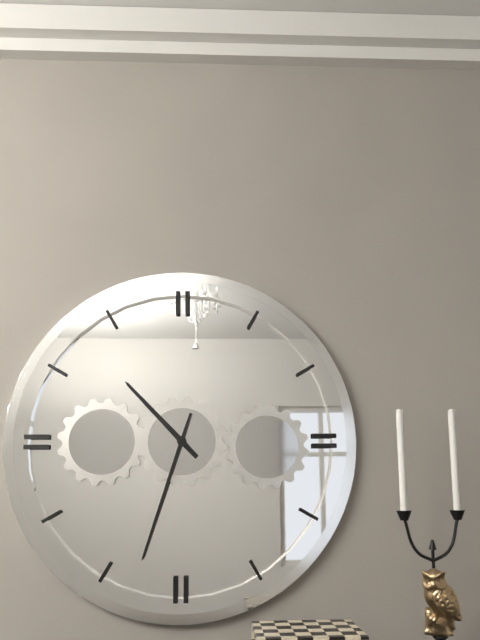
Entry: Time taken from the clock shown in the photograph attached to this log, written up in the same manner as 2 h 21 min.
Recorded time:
10 h 33 min
